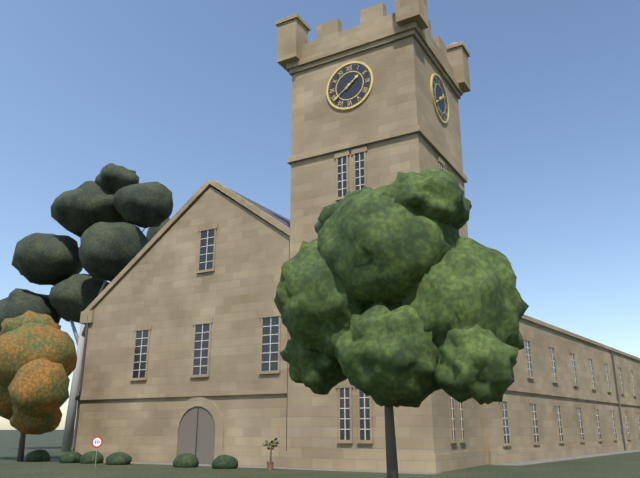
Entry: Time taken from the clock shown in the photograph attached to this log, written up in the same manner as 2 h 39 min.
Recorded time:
1 h 39 min
